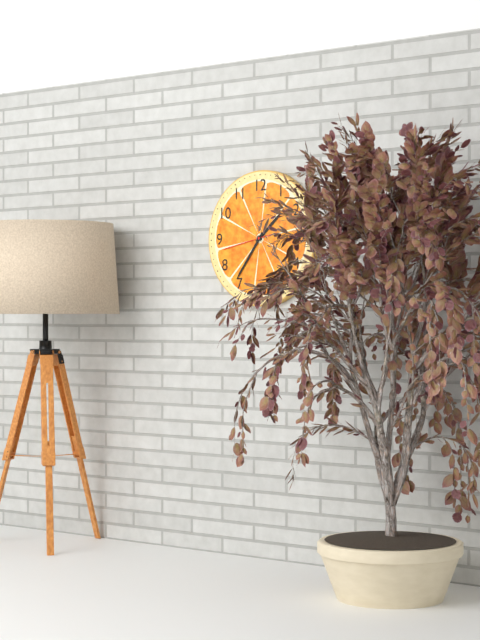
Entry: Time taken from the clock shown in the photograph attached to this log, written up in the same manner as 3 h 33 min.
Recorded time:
1 h 36 min
